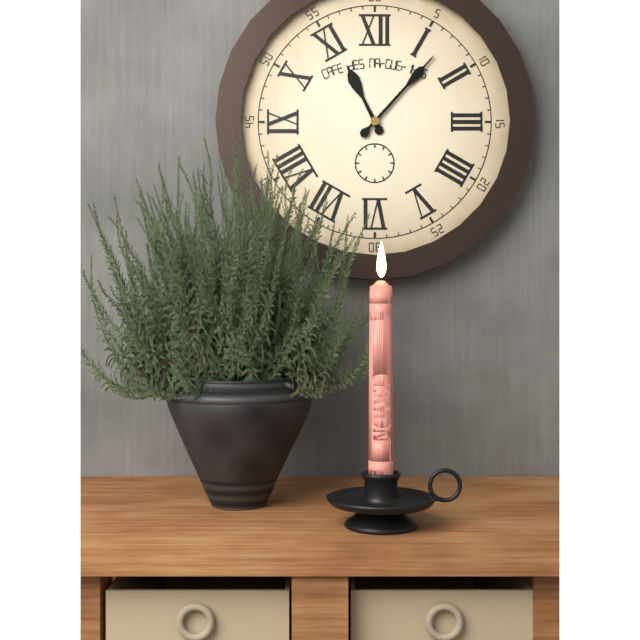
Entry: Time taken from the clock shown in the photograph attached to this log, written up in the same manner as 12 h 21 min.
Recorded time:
11 h 07 min
